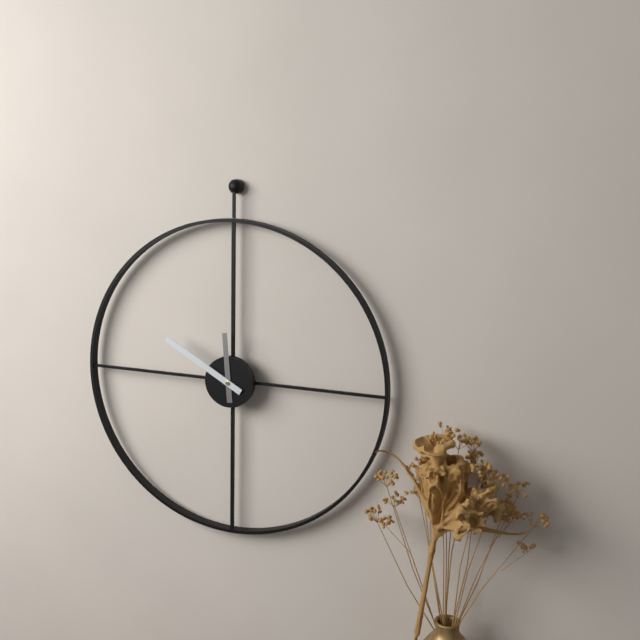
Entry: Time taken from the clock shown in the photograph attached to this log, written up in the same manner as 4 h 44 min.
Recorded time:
11 h 50 min
